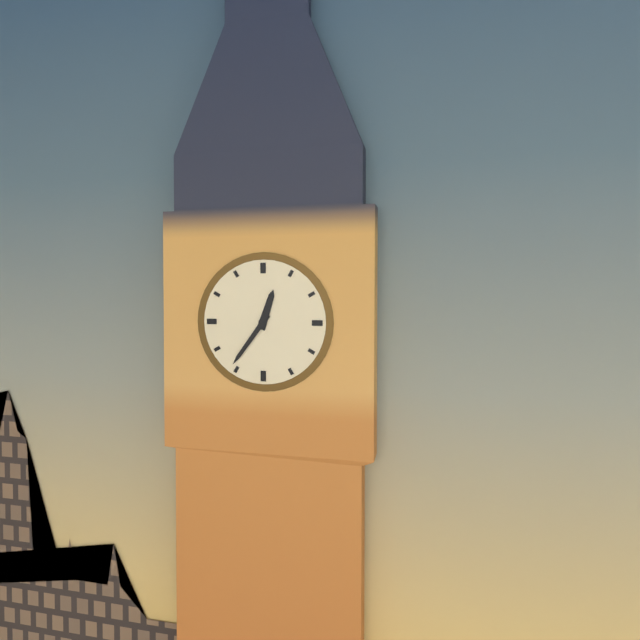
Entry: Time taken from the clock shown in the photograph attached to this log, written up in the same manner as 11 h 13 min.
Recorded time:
12 h 36 min
